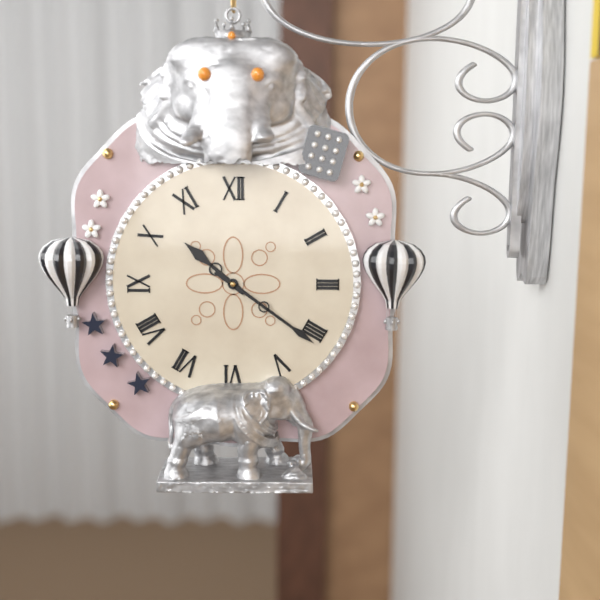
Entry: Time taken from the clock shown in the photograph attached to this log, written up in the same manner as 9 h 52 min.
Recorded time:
10 h 21 min
